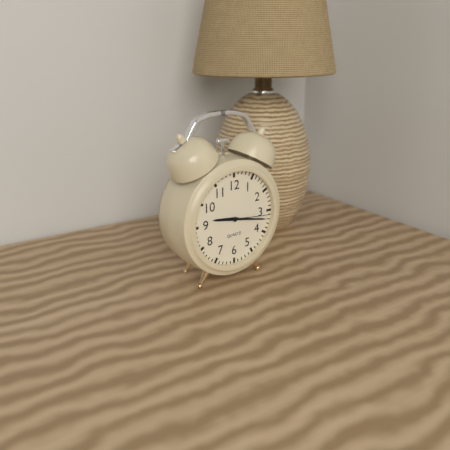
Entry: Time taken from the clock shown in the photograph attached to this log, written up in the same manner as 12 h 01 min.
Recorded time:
9 h 17 min
